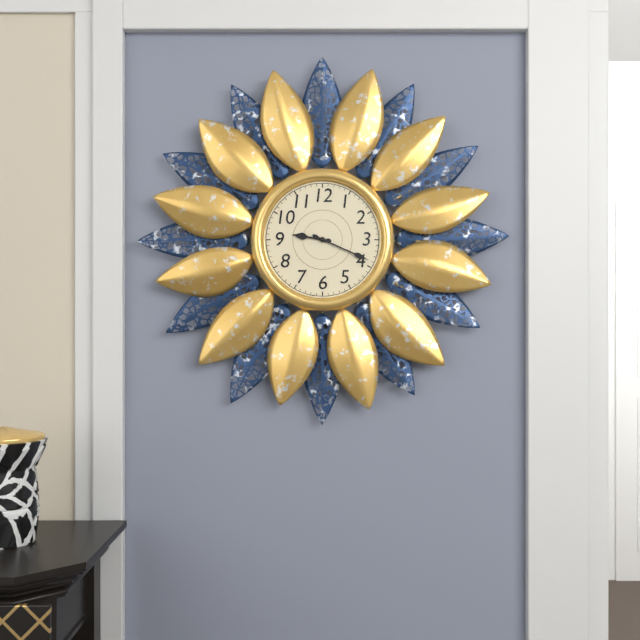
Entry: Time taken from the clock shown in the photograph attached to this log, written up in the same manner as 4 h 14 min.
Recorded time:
9 h 19 min
